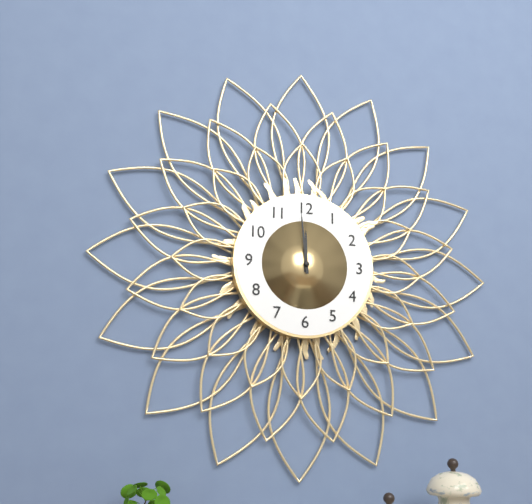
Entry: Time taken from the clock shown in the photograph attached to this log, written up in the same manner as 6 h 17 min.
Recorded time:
11 h 59 min
